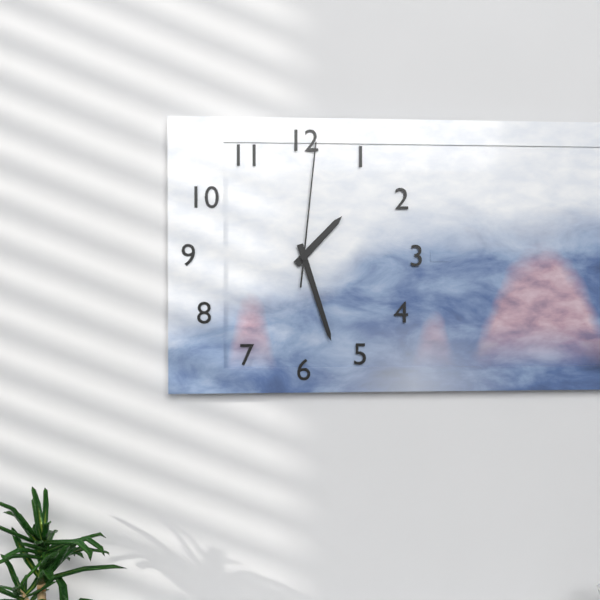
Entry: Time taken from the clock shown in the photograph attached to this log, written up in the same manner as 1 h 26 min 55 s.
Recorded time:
1 h 27 min 01 s
